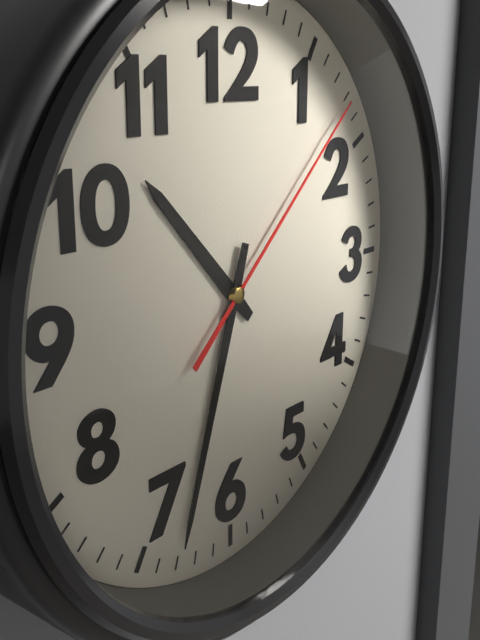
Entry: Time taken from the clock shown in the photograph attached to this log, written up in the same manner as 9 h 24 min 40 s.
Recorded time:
10 h 33 min 08 s
